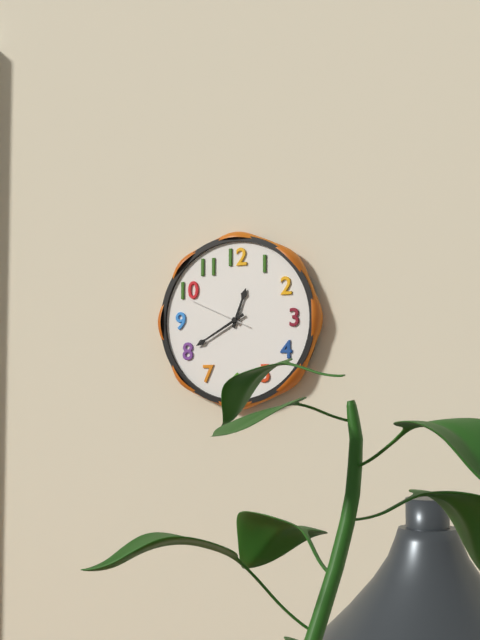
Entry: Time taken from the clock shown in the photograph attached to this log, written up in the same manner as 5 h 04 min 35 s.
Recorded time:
12 h 40 min 49 s
